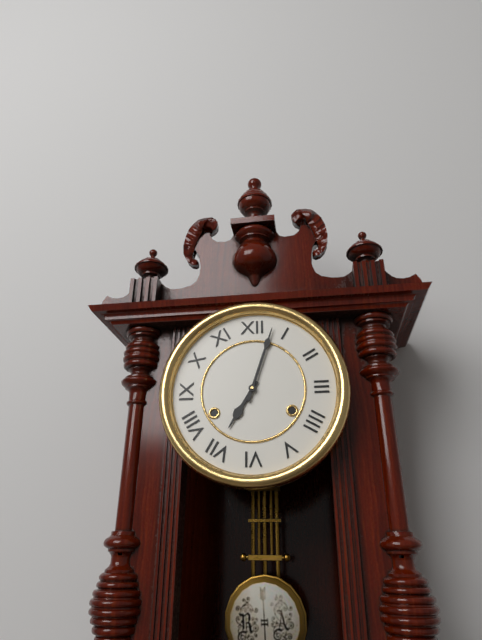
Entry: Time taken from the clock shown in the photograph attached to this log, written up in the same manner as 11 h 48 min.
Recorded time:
7 h 03 min
